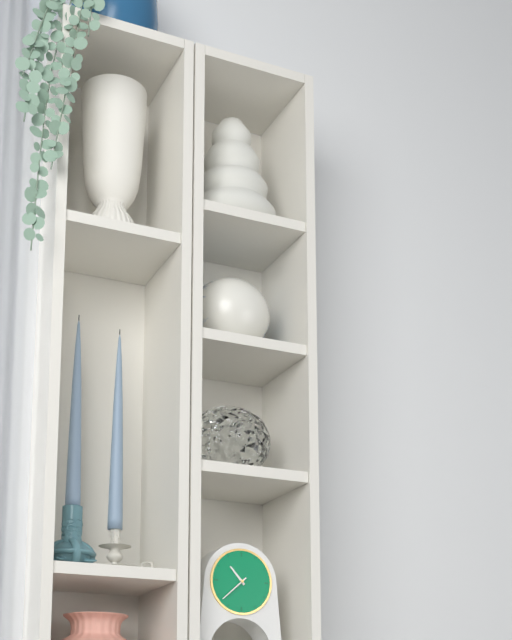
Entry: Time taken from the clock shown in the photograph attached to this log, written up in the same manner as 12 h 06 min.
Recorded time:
10 h 38 min
